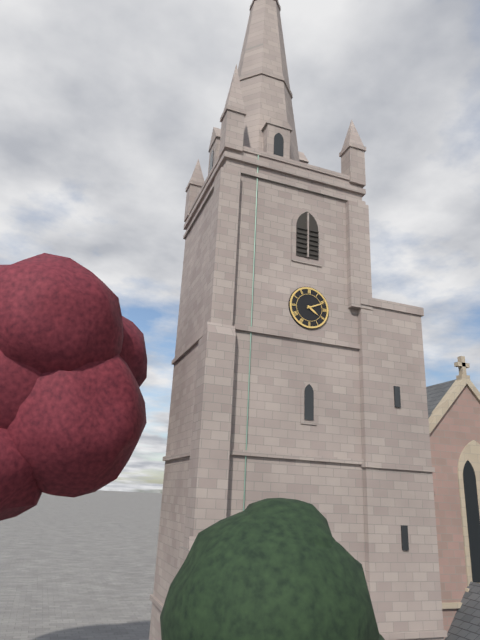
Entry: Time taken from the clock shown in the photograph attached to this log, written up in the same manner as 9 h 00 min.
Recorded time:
4 h 11 min
